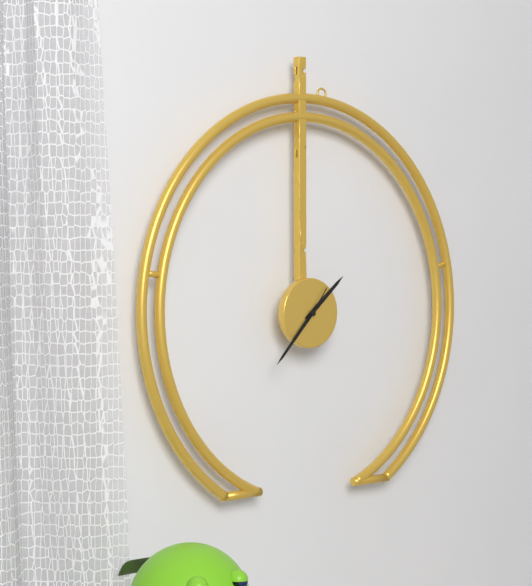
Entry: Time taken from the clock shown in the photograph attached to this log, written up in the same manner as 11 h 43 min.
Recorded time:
1 h 37 min
